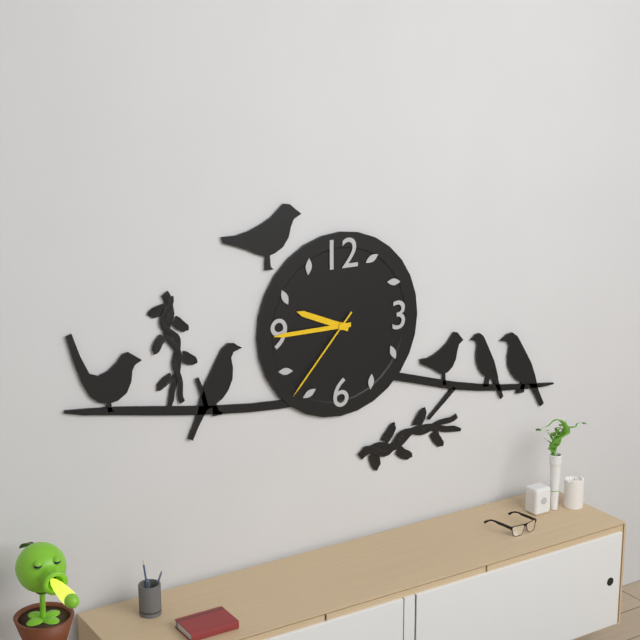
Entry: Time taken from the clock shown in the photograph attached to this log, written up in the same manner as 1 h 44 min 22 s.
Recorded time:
9 h 45 min 37 s
